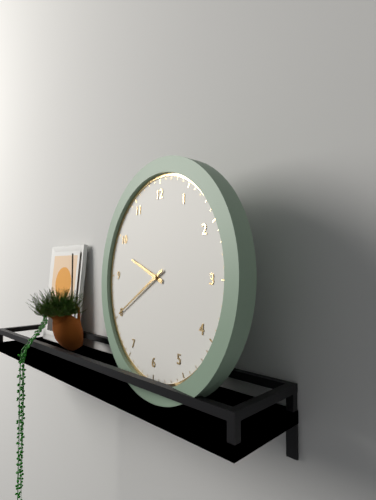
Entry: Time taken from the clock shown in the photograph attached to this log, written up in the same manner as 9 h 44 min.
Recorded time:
9 h 40 min
